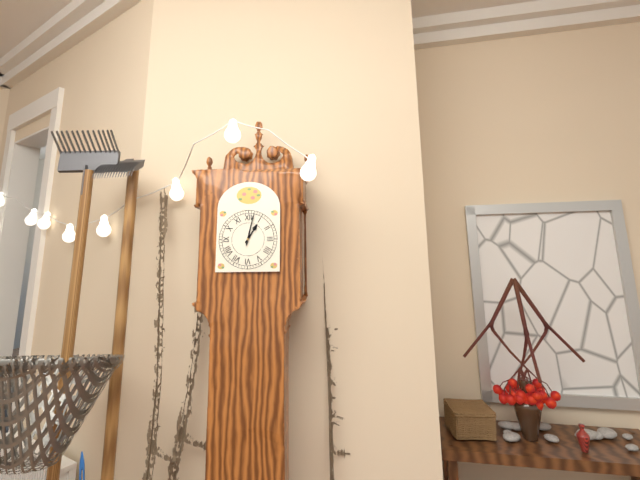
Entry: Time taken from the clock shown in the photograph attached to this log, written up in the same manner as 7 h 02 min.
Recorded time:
1 h 02 min
